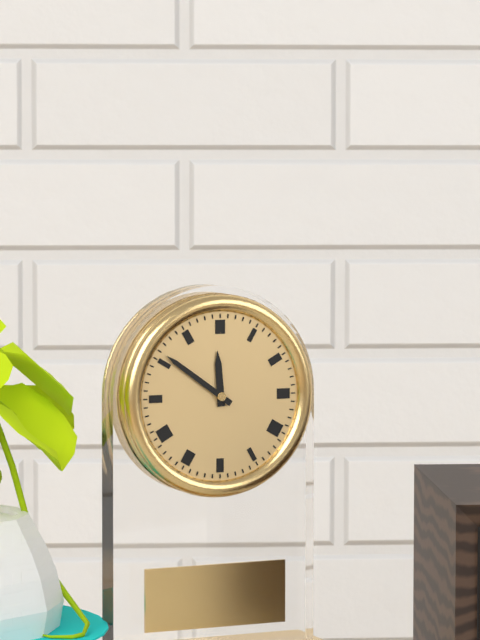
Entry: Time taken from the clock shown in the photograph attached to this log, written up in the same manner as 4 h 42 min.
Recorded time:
11 h 51 min
